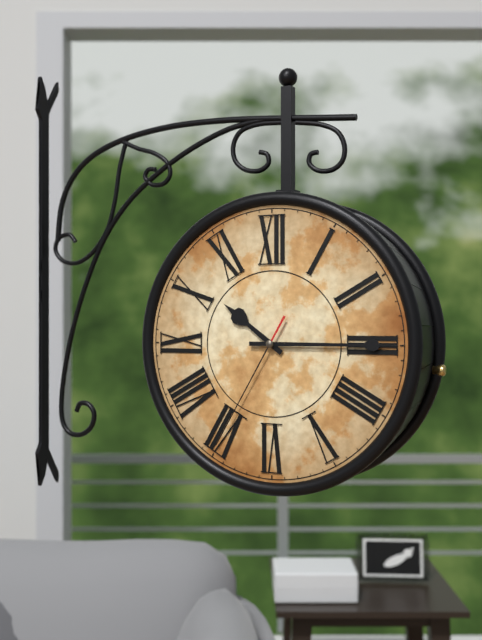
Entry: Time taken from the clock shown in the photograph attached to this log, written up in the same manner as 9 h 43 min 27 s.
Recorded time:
10 h 15 min 35 s
